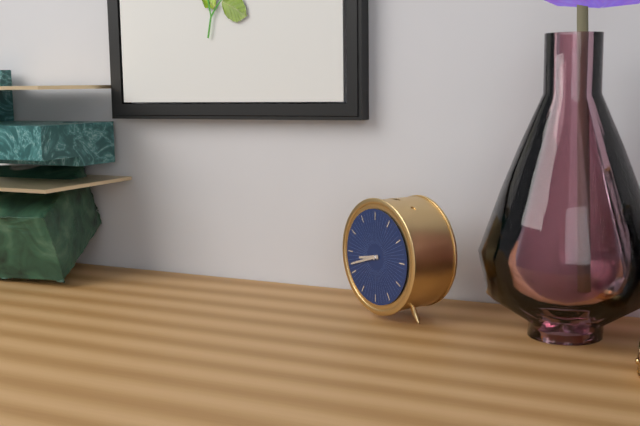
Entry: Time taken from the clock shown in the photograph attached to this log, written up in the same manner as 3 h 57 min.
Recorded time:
8 h 42 min
